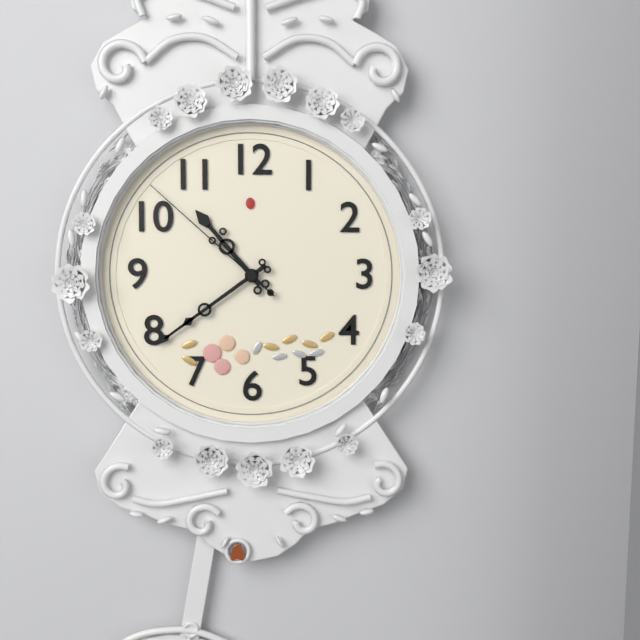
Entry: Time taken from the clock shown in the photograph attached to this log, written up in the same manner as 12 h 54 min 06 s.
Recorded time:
10 h 39 min 52 s
